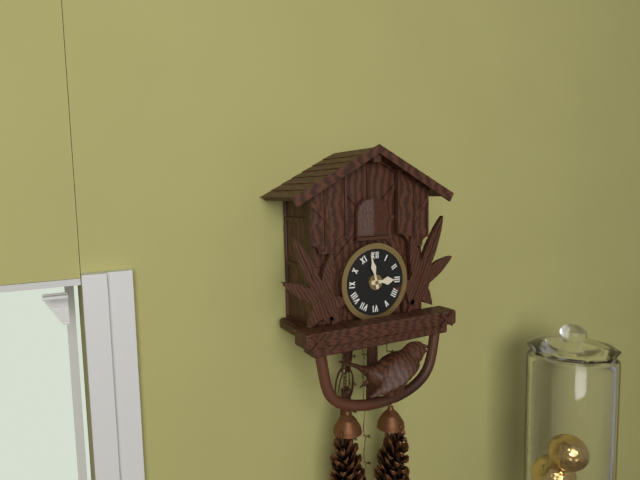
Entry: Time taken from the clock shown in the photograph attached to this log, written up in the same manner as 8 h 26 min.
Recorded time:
2 h 58 min
